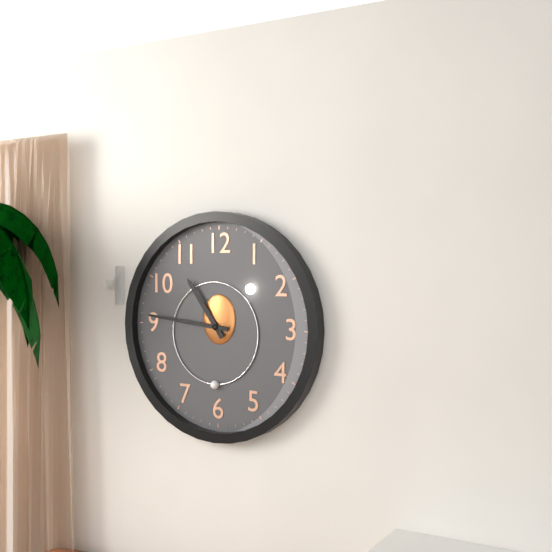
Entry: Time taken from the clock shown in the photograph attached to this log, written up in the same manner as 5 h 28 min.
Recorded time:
10 h 46 min
